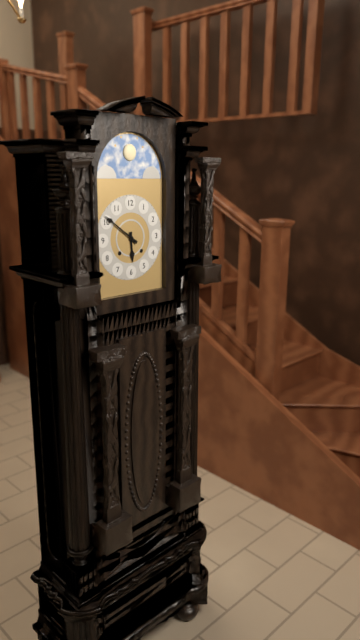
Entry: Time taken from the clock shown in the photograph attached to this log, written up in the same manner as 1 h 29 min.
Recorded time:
5 h 51 min
